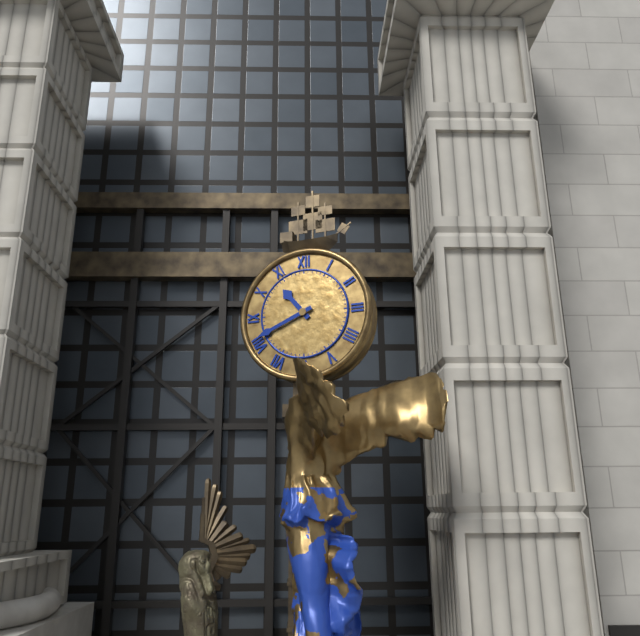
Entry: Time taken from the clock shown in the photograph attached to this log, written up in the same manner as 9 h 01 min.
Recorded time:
10 h 41 min
